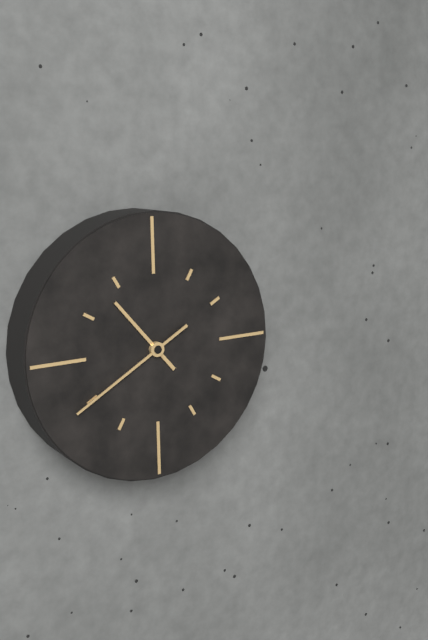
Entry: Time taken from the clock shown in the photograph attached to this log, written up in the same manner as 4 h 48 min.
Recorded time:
10 h 40 min
